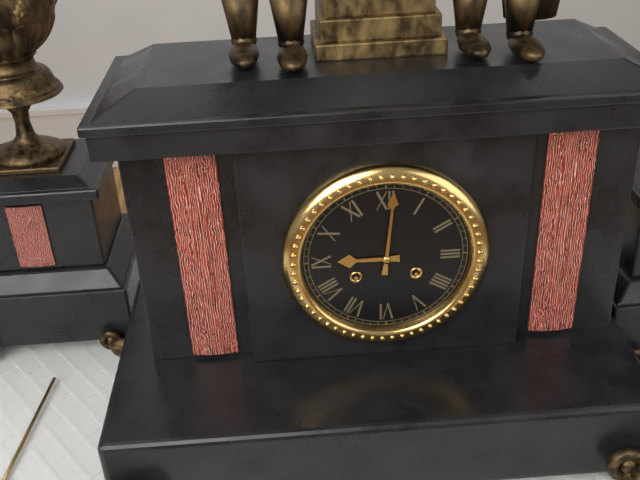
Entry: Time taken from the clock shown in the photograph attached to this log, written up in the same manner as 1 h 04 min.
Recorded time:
9 h 01 min
